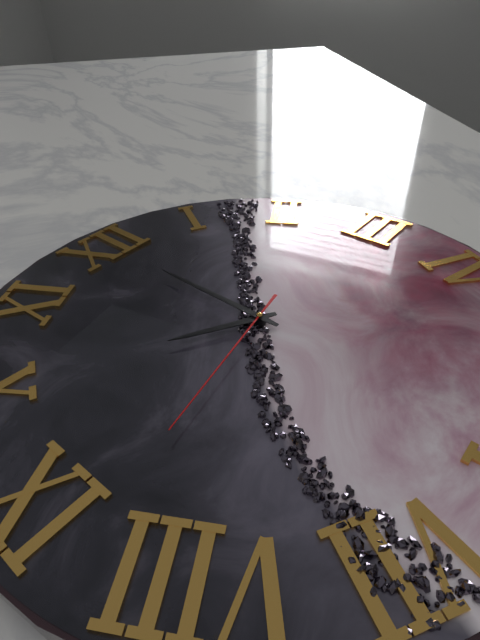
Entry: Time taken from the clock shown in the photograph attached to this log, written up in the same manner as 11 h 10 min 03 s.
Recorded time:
10 h 00 min 43 s
